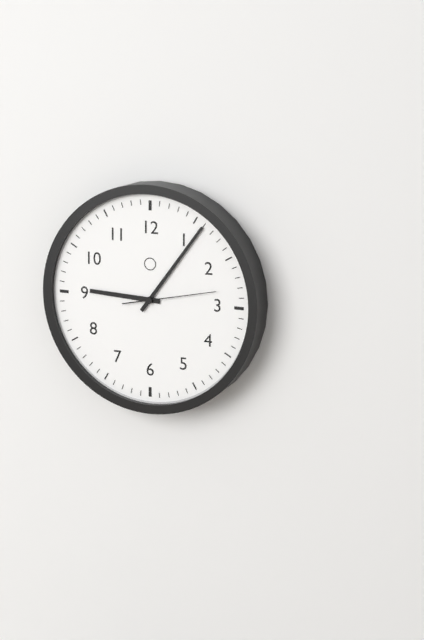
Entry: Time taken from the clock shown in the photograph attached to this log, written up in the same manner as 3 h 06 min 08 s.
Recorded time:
9 h 06 min 13 s
